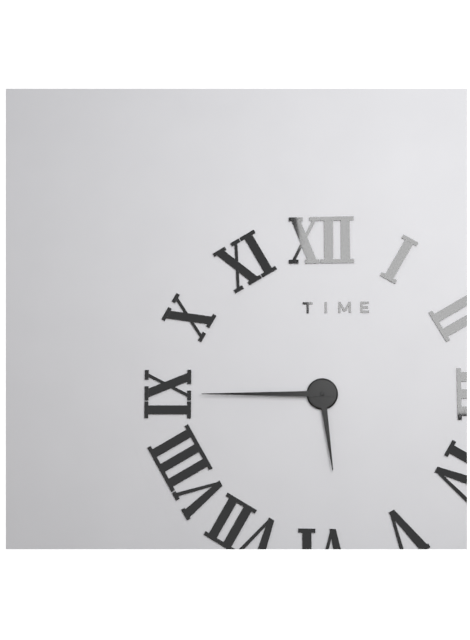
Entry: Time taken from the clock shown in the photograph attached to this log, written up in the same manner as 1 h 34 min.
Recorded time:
5 h 45 min
